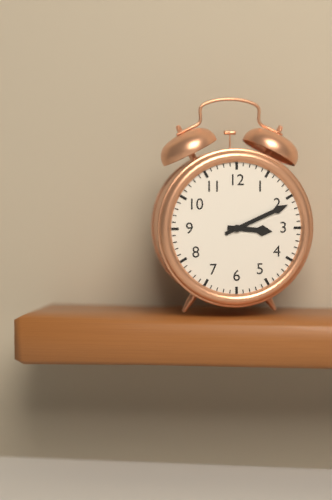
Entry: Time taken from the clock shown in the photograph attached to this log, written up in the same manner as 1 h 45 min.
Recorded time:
3 h 11 min
